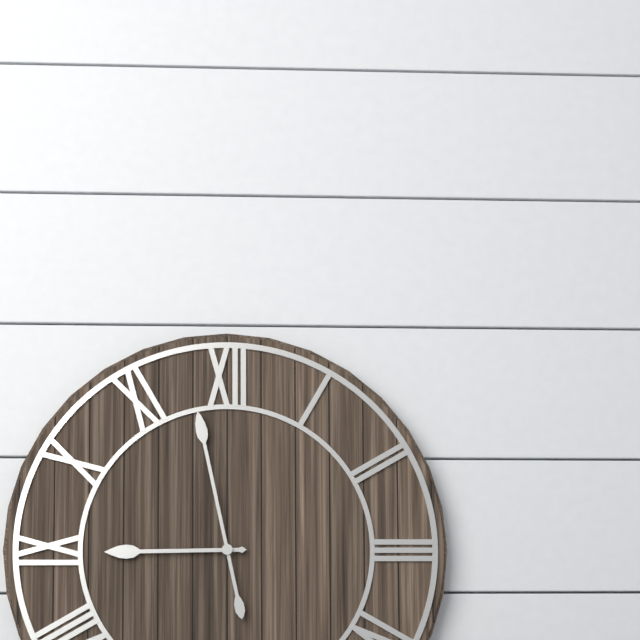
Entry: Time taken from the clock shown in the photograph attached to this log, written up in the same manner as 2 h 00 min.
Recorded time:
8 h 58 min
